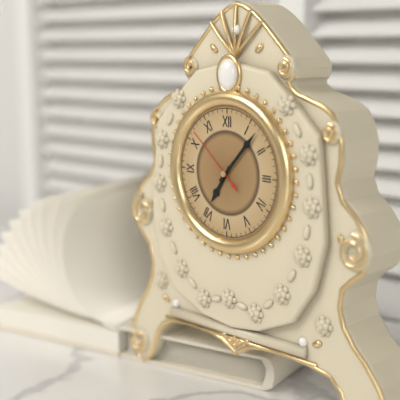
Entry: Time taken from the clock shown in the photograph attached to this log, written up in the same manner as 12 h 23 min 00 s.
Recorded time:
7 h 07 min 52 s
